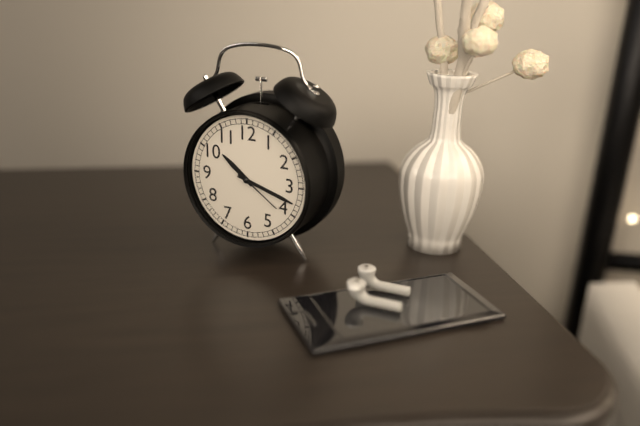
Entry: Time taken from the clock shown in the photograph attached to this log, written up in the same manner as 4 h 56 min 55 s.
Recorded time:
10 h 18 min 21 s
